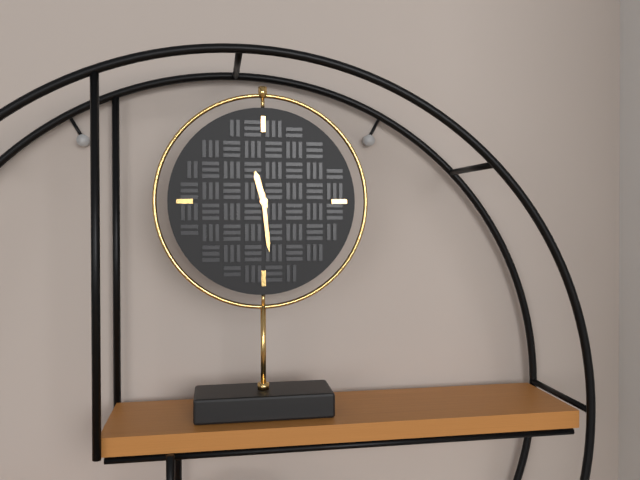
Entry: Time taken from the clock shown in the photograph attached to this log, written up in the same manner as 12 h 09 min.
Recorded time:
11 h 29 min
